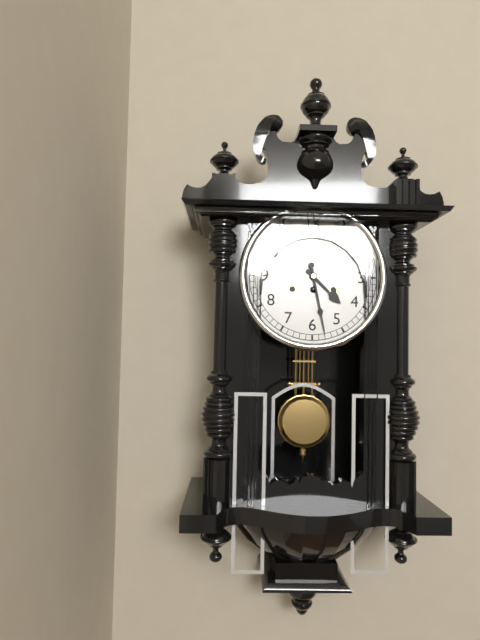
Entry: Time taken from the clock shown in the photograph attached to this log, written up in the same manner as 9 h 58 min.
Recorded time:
4 h 28 min
